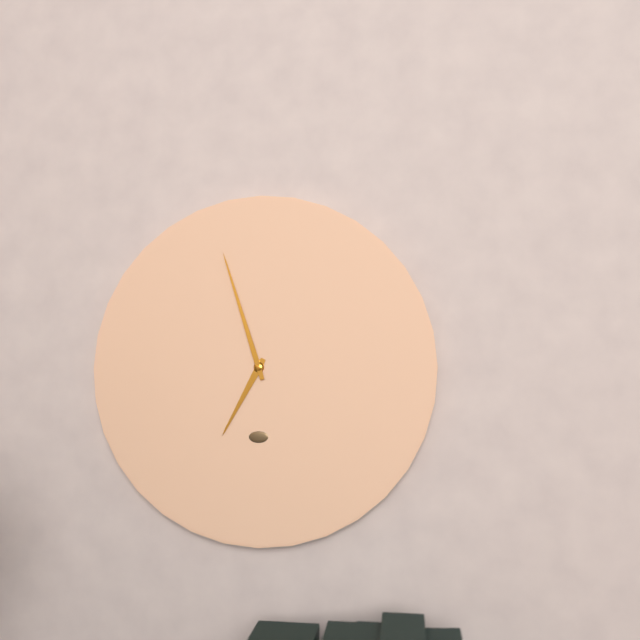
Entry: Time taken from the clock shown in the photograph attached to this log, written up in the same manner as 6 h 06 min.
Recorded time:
6 h 57 min
